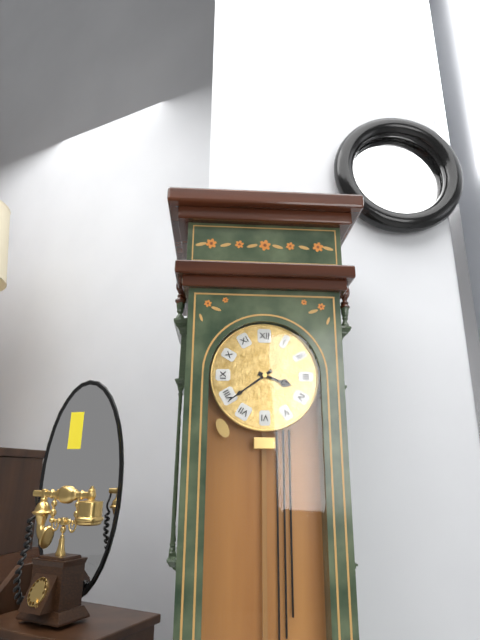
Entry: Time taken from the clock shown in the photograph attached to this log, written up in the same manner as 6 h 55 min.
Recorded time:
3 h 39 min
